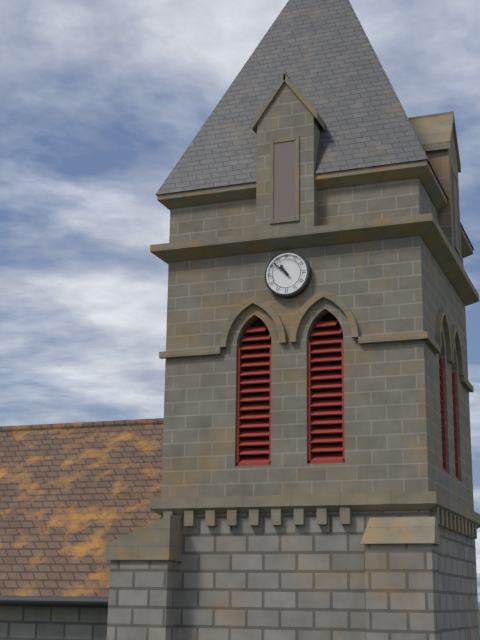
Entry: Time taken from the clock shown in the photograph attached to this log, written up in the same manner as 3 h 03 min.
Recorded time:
10 h 52 min
